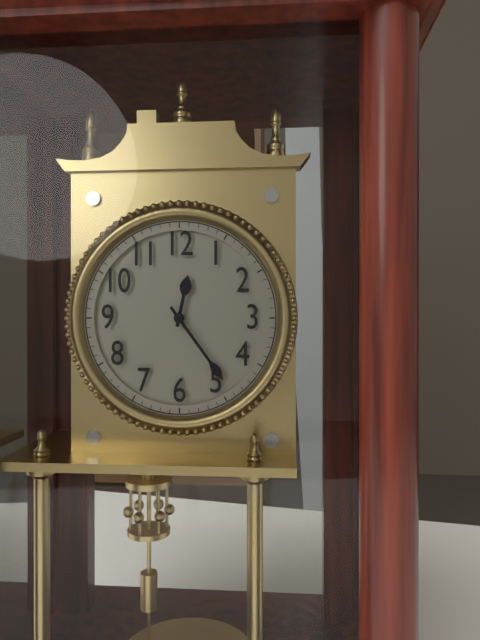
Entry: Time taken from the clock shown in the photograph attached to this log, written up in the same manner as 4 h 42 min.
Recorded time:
12 h 24 min
